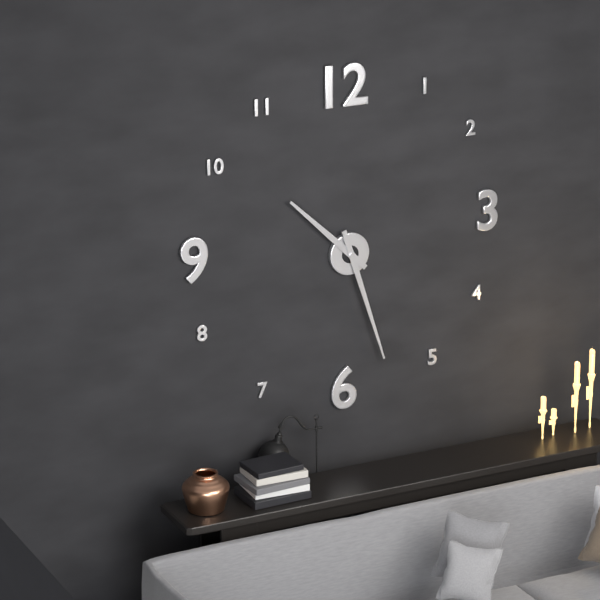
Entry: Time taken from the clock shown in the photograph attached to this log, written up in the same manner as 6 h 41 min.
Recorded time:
10 h 27 min
